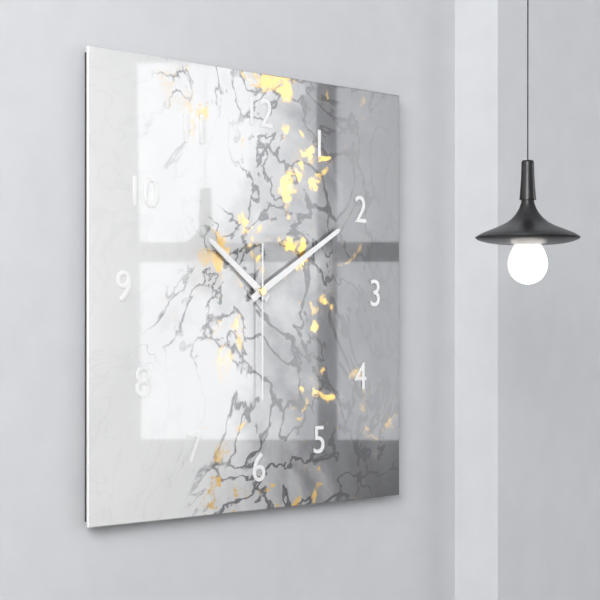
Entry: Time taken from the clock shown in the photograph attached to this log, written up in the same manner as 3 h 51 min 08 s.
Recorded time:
10 h 10 min 30 s
